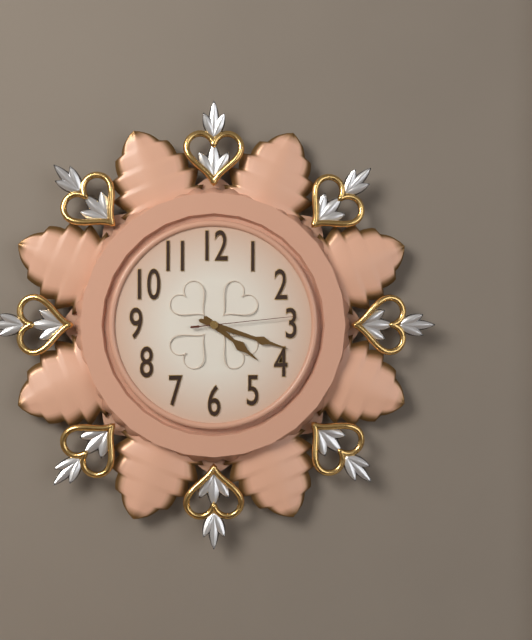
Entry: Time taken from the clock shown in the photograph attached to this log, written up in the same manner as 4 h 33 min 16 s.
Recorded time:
4 h 18 min 14 s
